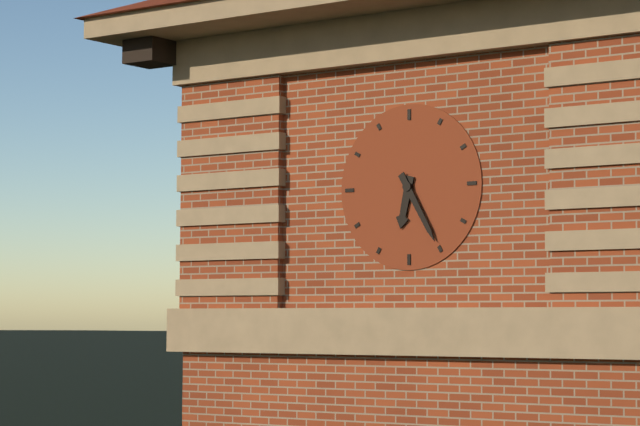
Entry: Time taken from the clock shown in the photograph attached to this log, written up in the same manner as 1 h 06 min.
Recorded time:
6 h 25 min
